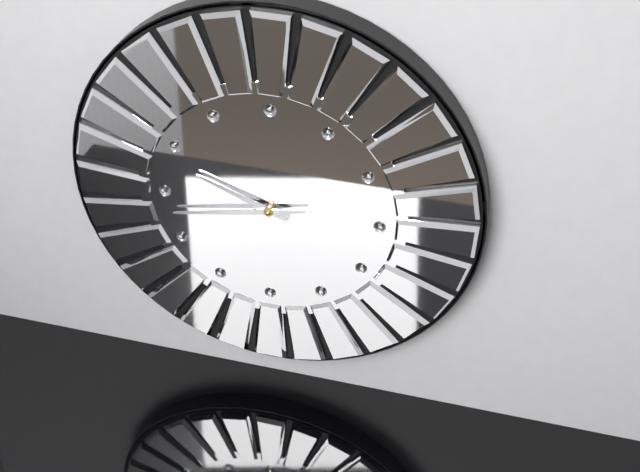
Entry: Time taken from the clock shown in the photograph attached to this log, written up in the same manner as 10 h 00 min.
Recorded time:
9 h 43 min
